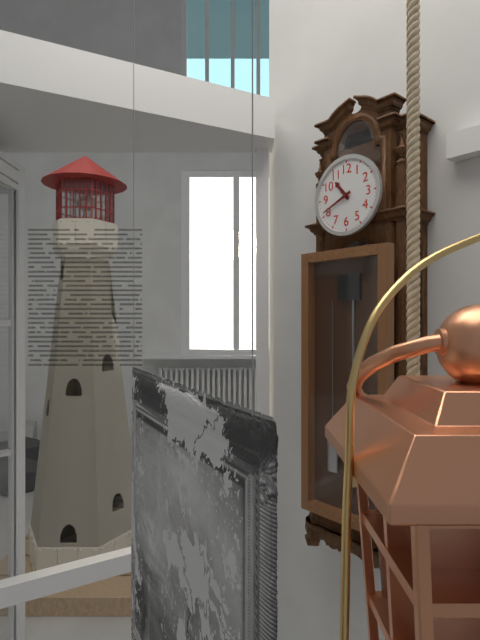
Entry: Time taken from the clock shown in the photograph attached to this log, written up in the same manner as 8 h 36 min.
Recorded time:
10 h 41 min
